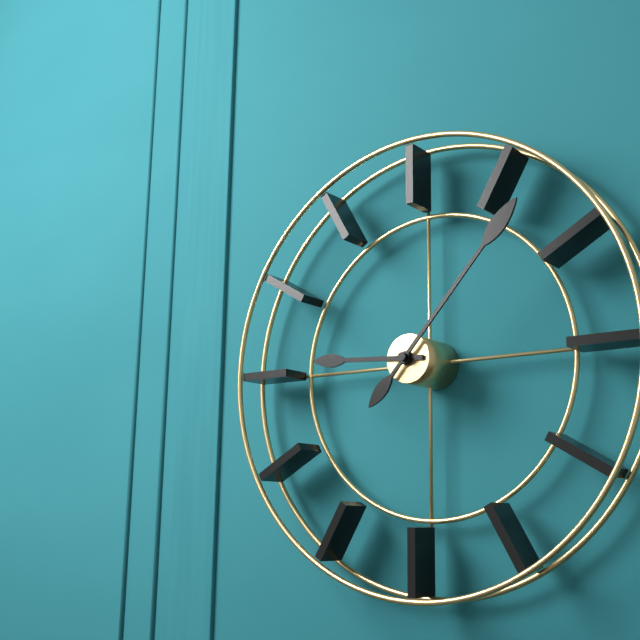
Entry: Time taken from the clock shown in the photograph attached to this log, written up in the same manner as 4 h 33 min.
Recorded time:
9 h 07 min
